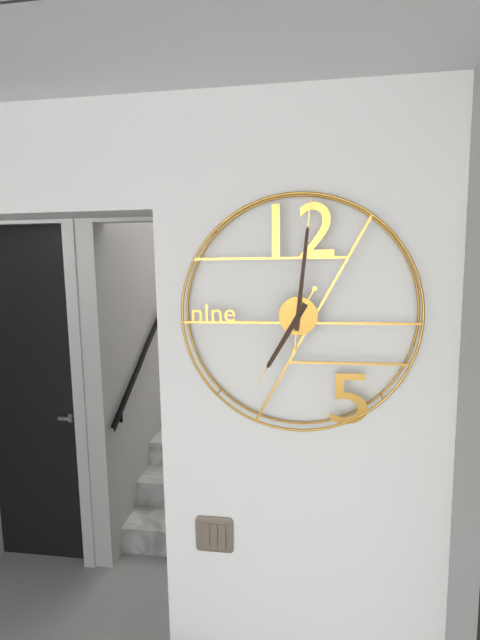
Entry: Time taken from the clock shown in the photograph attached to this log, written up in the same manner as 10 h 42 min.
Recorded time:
7 h 01 min
